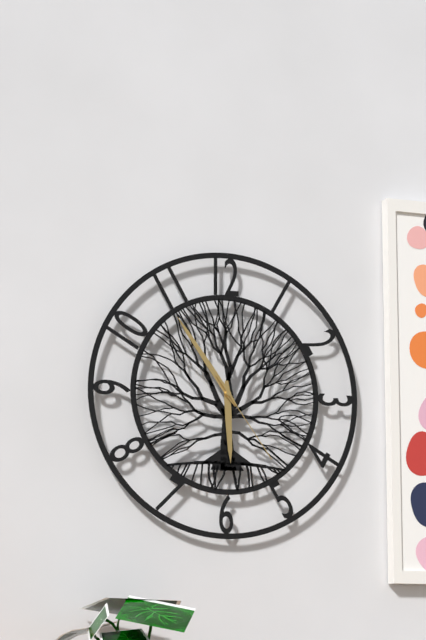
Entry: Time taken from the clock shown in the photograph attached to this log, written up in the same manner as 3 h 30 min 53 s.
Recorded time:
5 h 54 min 24 s
